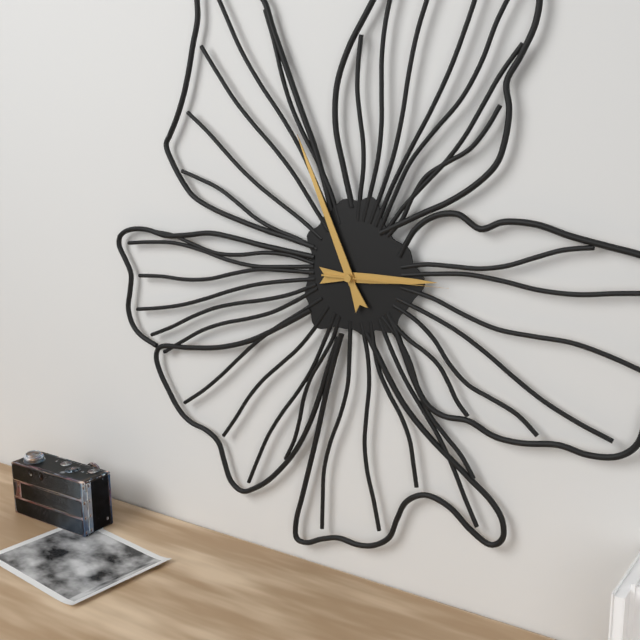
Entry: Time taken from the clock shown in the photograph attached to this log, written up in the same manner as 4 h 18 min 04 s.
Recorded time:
2 h 56 min 15 s
